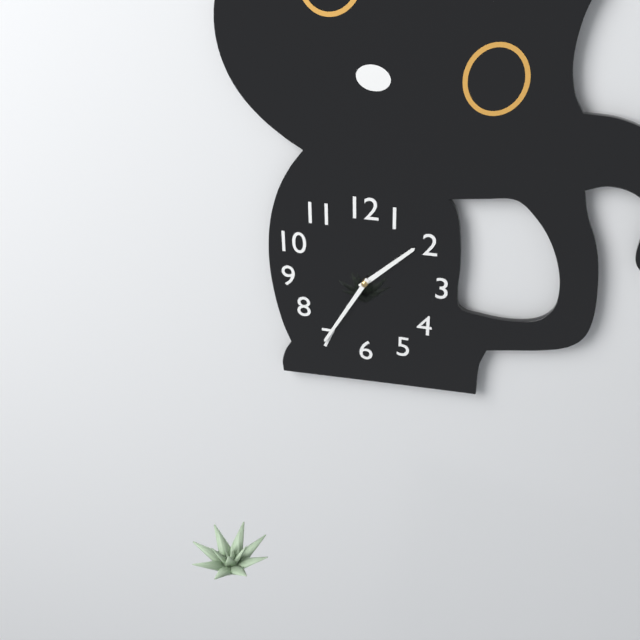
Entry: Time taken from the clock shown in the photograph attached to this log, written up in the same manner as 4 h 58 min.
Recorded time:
1 h 35 min
